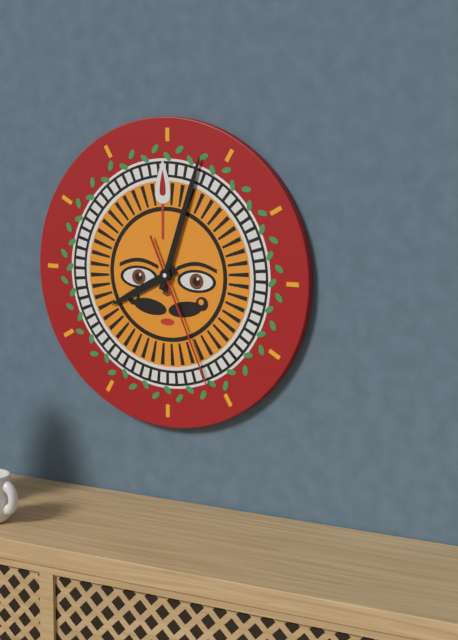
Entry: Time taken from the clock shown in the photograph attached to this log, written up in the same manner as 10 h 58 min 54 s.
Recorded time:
8 h 03 min 26 s
